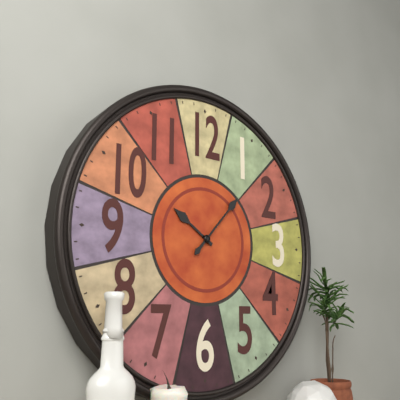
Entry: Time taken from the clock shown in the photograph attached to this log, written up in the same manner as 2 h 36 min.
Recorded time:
10 h 07 min
